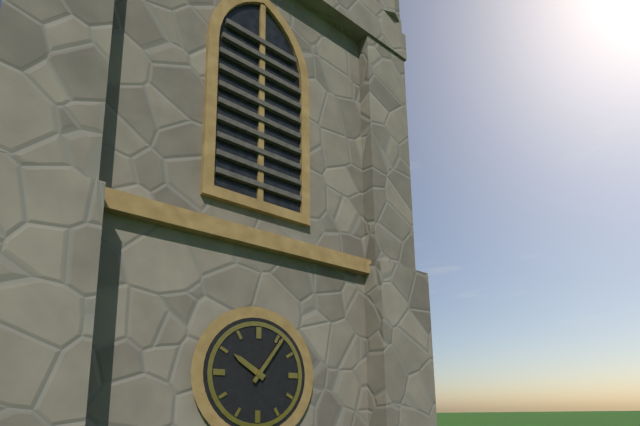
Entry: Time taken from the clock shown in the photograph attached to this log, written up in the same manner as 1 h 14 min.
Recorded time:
10 h 06 min
